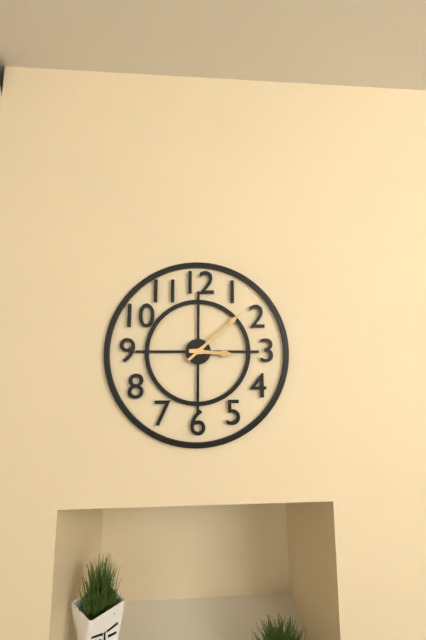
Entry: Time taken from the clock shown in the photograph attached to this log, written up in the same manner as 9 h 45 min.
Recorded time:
3 h 08 min
